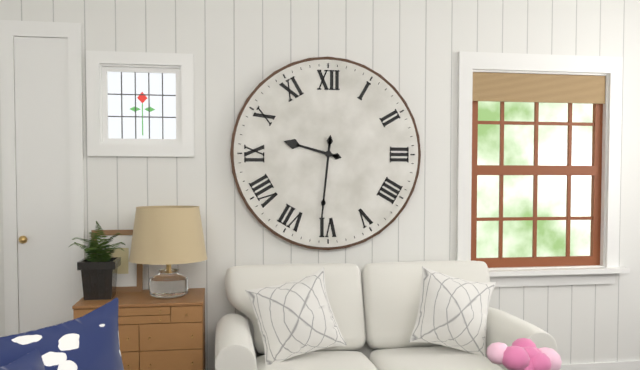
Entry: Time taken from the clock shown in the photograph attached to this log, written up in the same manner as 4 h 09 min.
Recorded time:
9 h 31 min
